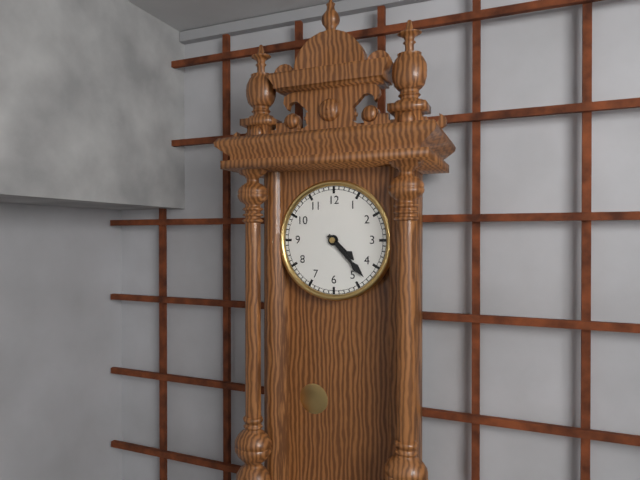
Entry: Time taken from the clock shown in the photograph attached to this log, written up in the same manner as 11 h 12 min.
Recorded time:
4 h 23 min
